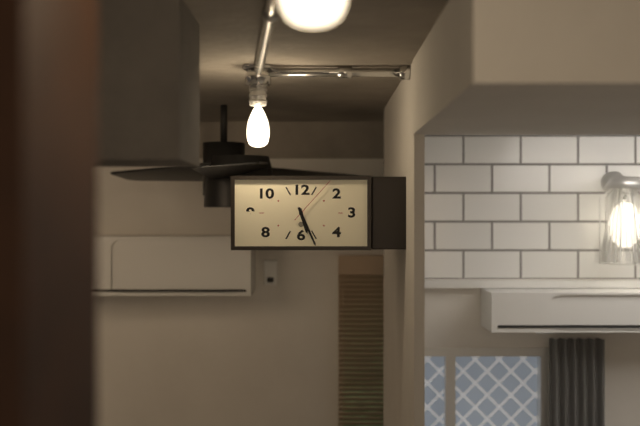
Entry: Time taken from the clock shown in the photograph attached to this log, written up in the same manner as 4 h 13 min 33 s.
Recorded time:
5 h 26 min 07 s
